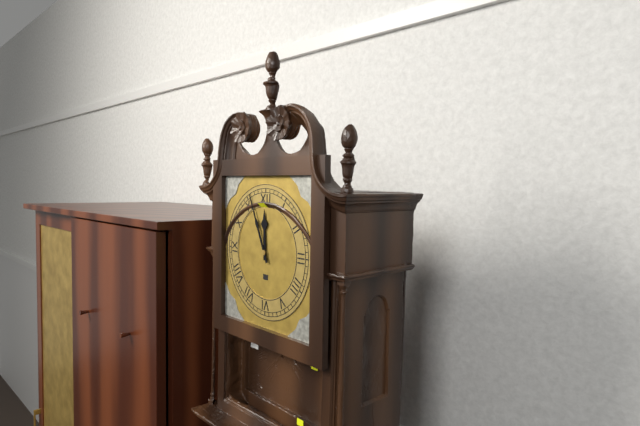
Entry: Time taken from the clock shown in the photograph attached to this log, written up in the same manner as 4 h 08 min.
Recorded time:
11 h 56 min
